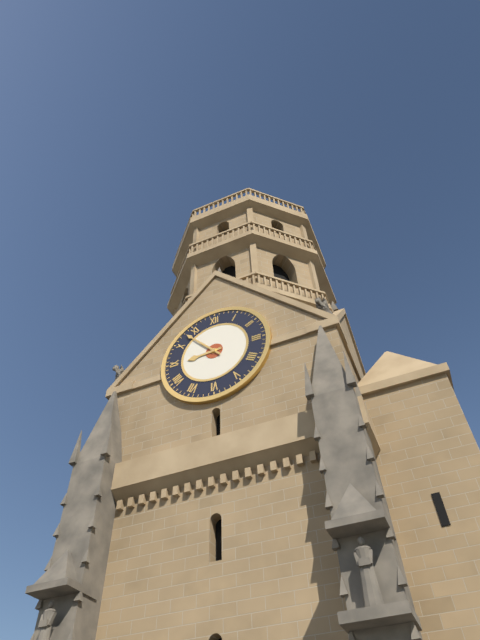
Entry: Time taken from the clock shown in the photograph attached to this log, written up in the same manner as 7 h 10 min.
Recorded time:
8 h 53 min
